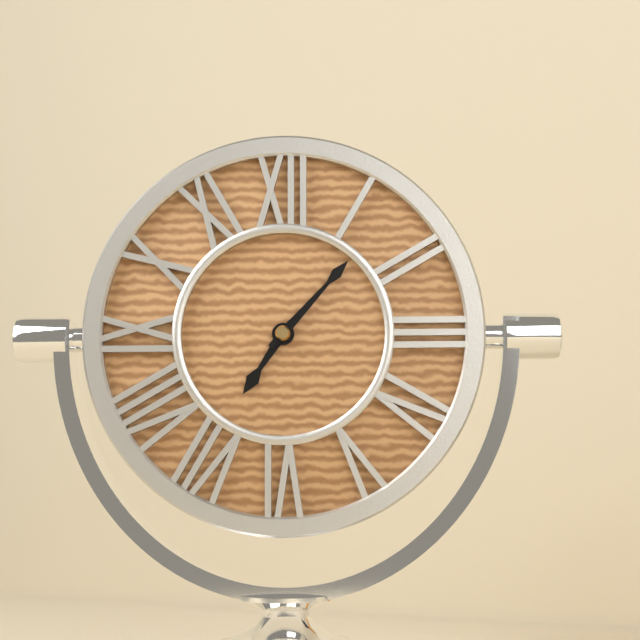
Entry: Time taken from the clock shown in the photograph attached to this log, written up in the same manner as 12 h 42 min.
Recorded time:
7 h 07 min
